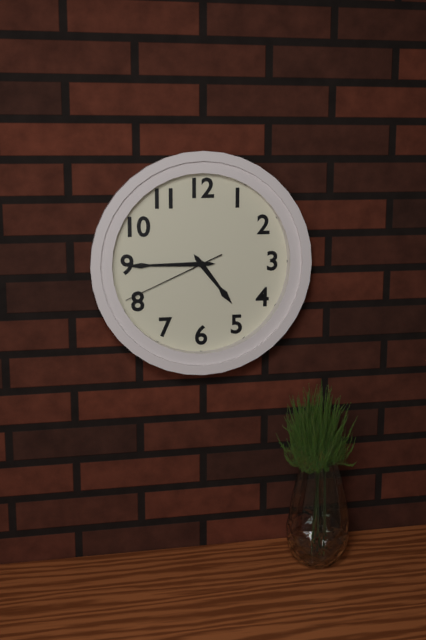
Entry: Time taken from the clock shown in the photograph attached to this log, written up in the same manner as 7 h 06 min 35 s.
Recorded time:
4 h 45 min 41 s
